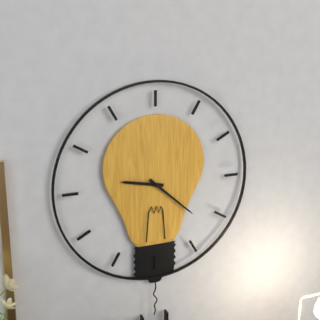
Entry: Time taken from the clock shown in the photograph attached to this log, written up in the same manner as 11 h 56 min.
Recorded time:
9 h 22 min
